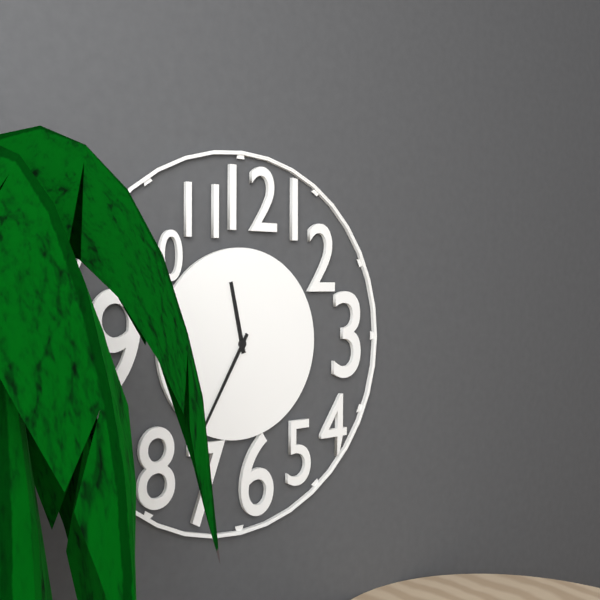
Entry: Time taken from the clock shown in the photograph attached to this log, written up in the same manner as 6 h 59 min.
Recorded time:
11 h 35 min
